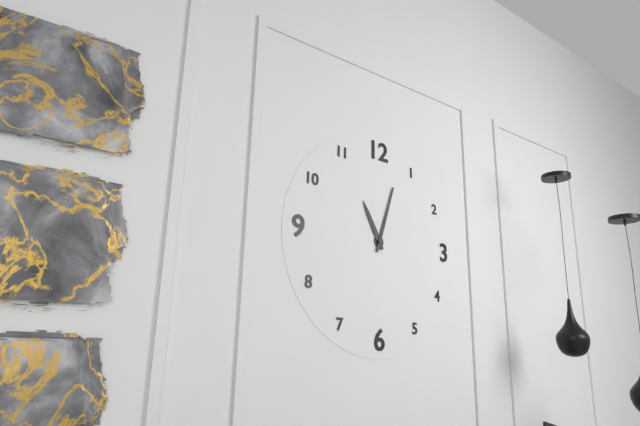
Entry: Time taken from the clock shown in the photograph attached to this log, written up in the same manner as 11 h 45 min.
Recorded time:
11 h 03 min
